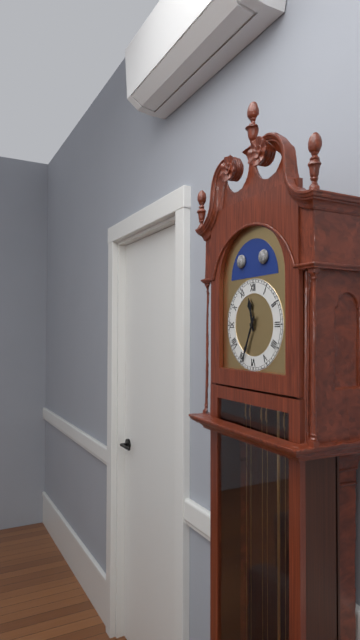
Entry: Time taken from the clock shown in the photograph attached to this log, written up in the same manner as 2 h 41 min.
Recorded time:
11 h 34 min
